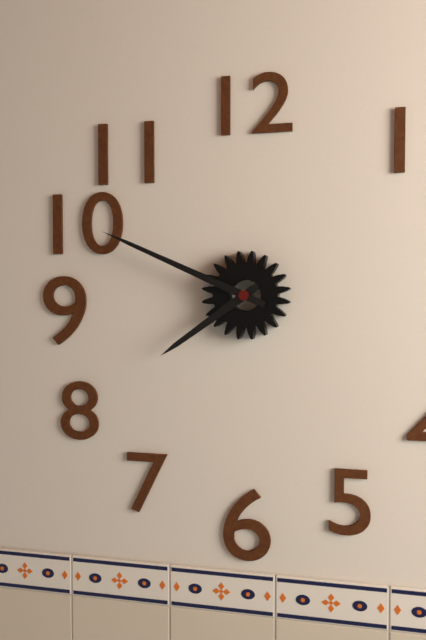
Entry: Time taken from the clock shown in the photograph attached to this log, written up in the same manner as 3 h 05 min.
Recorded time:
7 h 49 min
